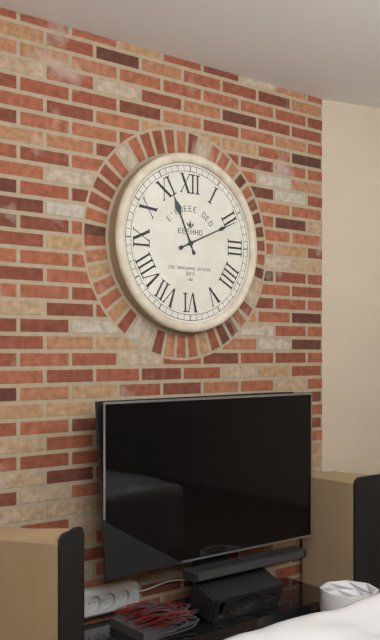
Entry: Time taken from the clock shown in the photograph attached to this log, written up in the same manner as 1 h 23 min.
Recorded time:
11 h 11 min
